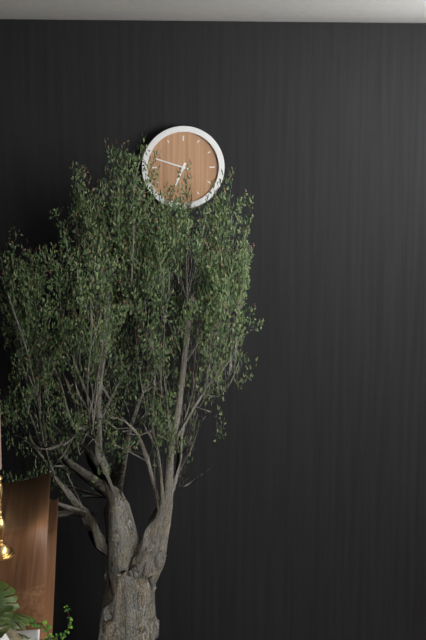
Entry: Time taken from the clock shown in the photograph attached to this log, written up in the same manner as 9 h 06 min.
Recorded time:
6 h 48 min
